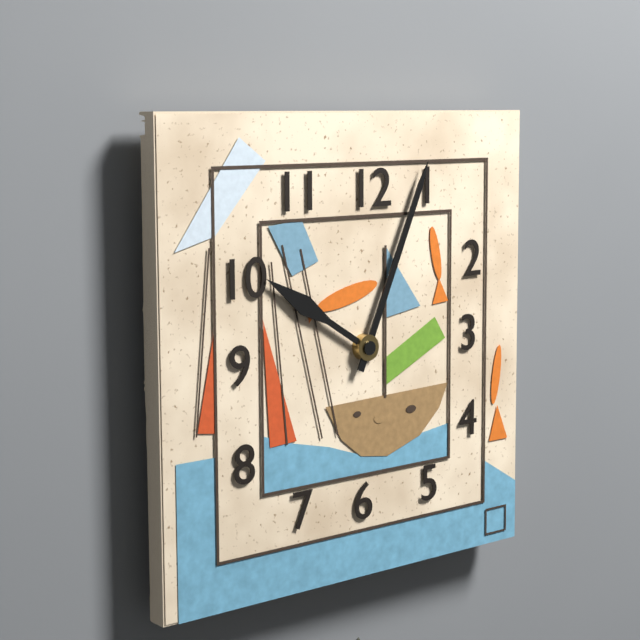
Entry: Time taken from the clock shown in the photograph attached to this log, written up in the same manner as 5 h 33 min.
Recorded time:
10 h 04 min
